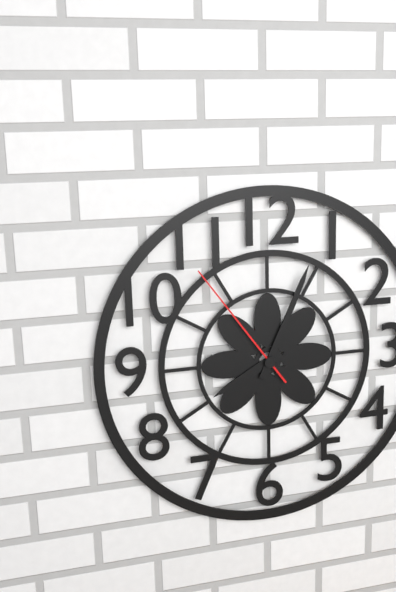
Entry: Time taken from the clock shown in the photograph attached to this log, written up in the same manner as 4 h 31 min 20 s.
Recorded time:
8 h 04 min 54 s
